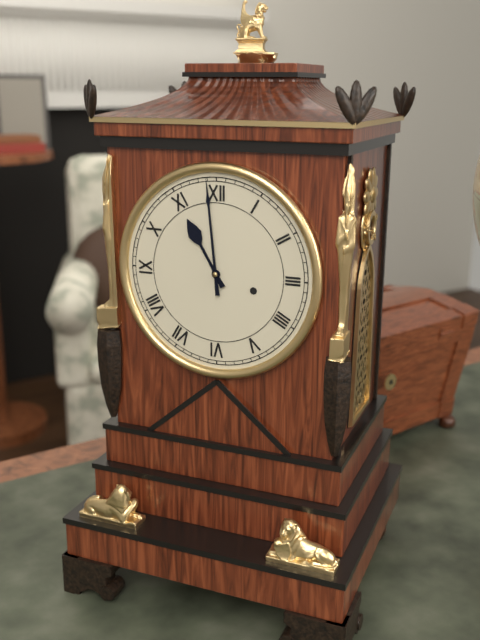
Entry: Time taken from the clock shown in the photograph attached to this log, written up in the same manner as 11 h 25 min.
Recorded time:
10 h 59 min
